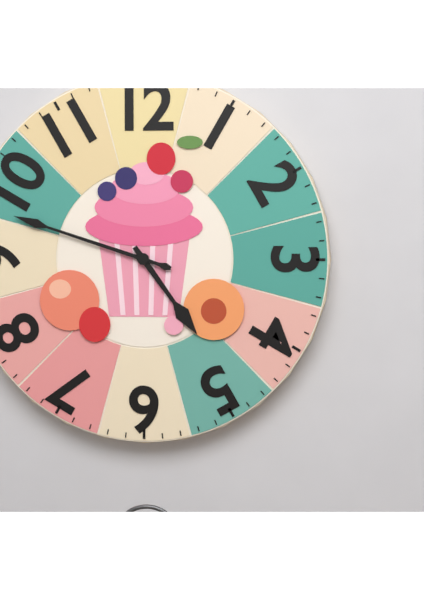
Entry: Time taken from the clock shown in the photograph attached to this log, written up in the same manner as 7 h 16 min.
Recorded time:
4 h 48 min
